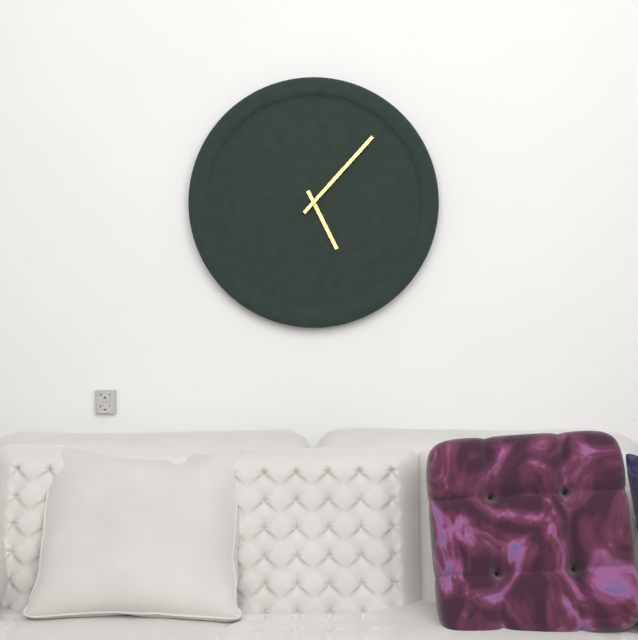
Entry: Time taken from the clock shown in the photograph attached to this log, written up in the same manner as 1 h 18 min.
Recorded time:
5 h 07 min
